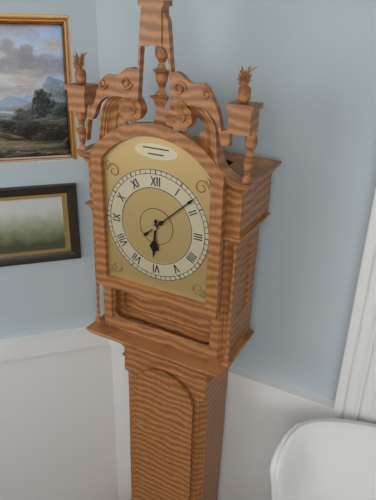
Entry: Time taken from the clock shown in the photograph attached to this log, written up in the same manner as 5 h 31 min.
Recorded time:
6 h 08 min
